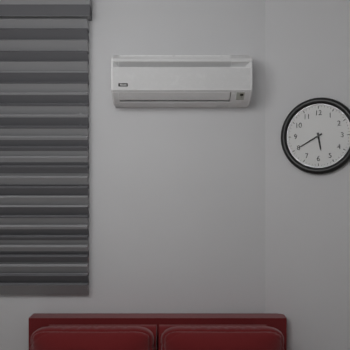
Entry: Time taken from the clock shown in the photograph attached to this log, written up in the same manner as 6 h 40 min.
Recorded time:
5 h 40 min
